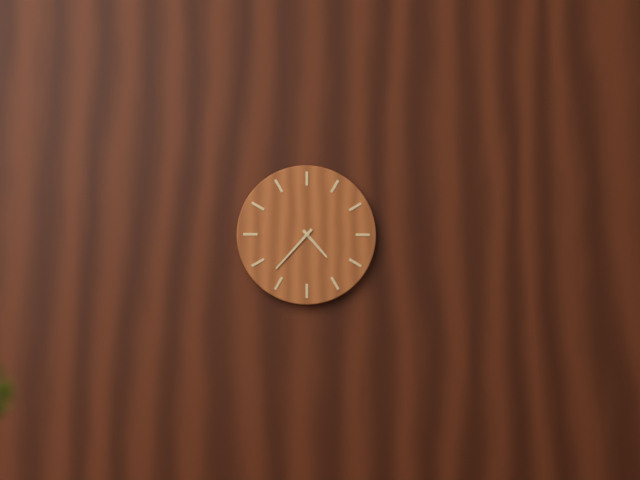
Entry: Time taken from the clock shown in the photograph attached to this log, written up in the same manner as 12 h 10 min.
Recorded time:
4 h 37 min
